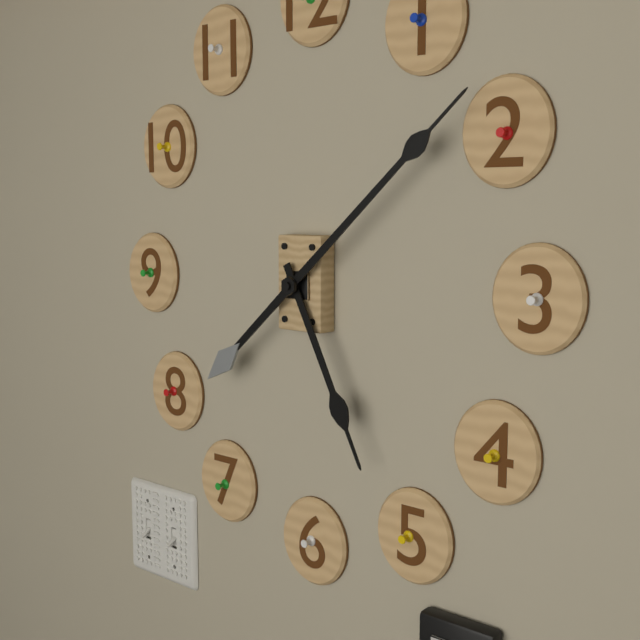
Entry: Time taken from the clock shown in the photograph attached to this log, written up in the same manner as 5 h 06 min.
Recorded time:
5 h 08 min
